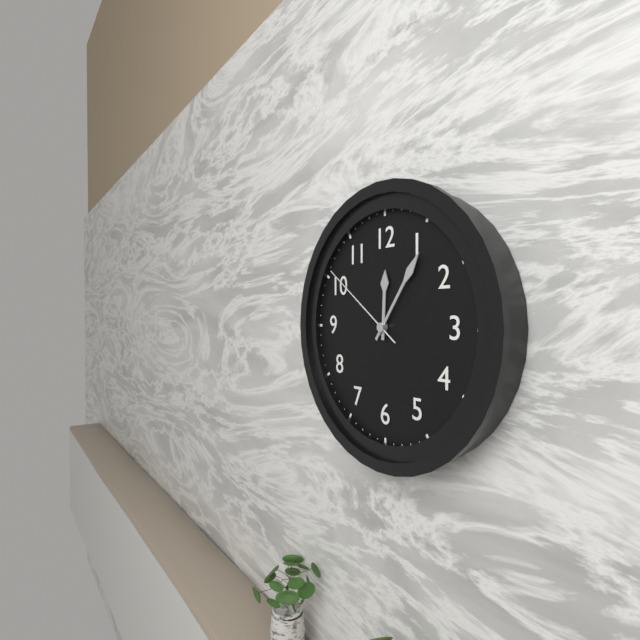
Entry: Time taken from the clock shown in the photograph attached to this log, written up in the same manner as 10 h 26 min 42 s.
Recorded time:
12 h 06 min 51 s
